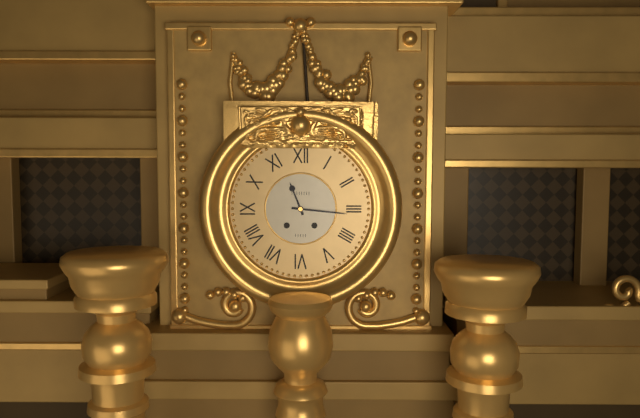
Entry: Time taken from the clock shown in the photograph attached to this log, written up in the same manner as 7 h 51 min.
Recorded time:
11 h 16 min
